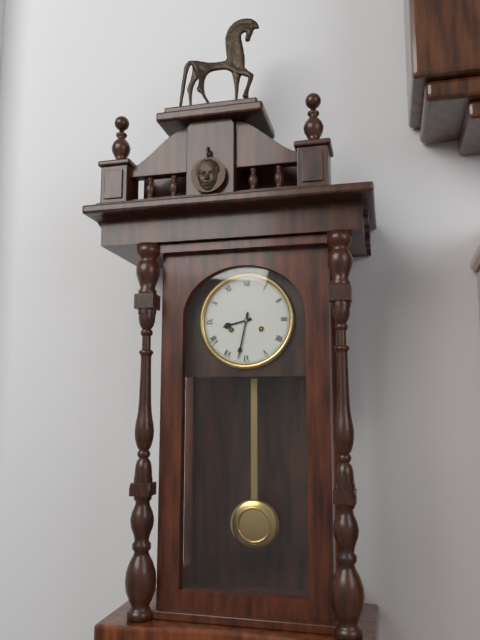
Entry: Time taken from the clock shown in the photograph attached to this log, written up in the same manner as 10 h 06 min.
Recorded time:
8 h 32 min
